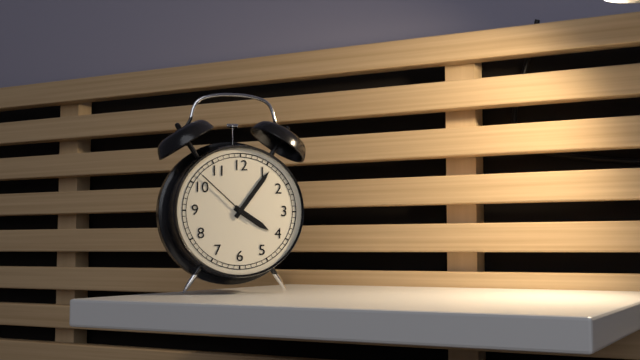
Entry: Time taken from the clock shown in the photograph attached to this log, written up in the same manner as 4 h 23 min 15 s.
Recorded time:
4 h 06 min 52 s
